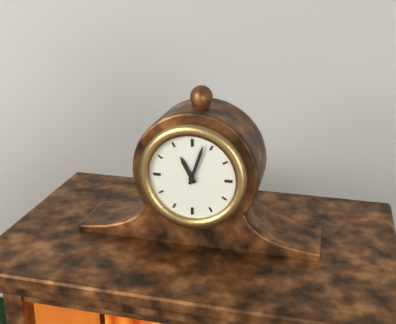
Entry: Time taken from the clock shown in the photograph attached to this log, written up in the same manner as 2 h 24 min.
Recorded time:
11 h 03 min
